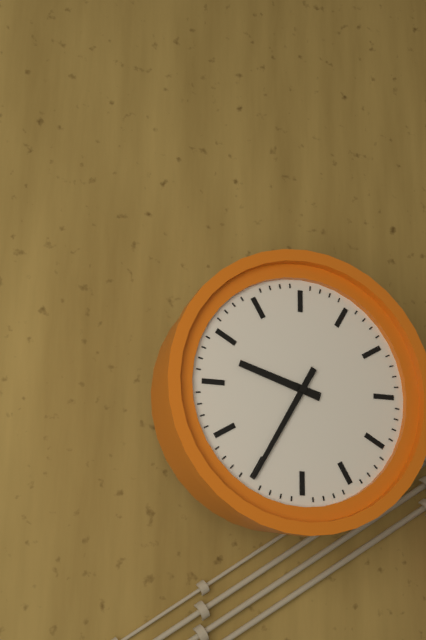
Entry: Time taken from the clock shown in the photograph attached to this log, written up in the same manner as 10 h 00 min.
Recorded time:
9 h 35 min
